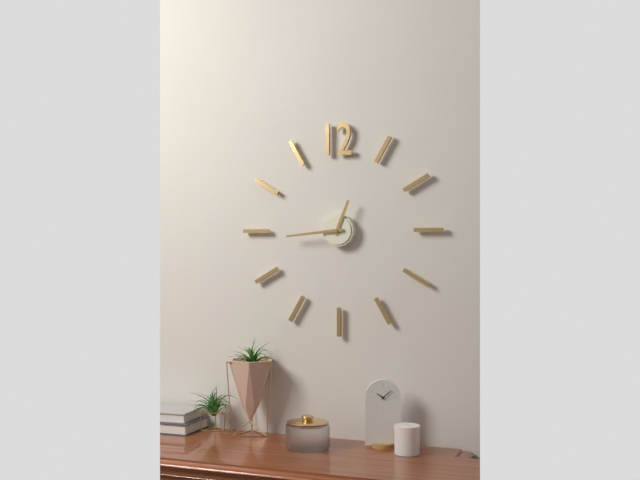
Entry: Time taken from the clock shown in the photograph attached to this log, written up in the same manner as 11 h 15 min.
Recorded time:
12 h 44 min
